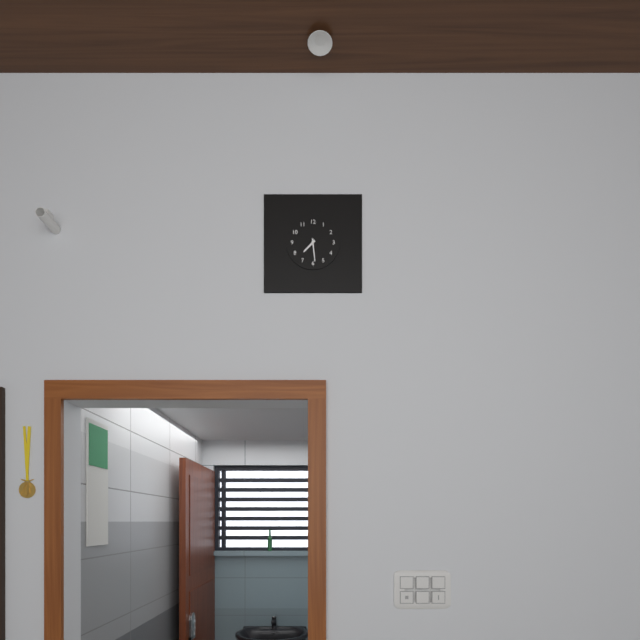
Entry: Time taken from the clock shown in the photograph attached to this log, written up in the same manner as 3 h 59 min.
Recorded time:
7 h 29 min
